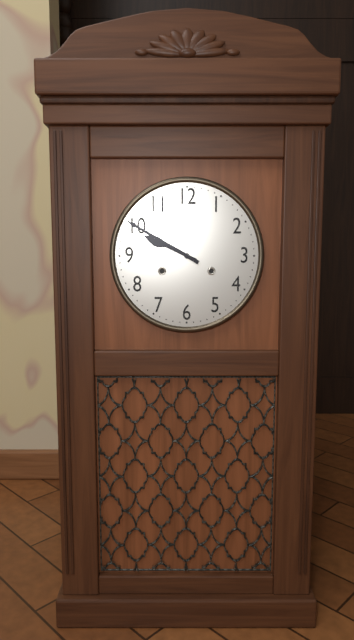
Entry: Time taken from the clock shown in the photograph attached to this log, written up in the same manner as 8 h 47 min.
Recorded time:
9 h 50 min
